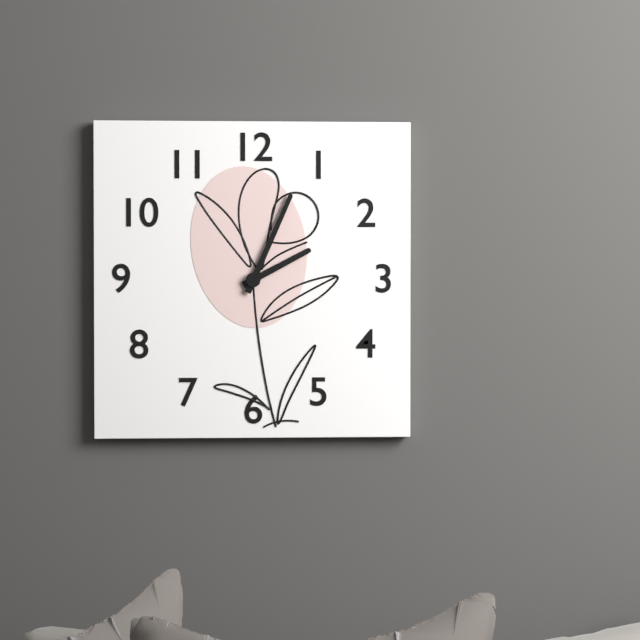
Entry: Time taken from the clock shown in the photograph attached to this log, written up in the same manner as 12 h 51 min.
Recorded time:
2 h 04 min
